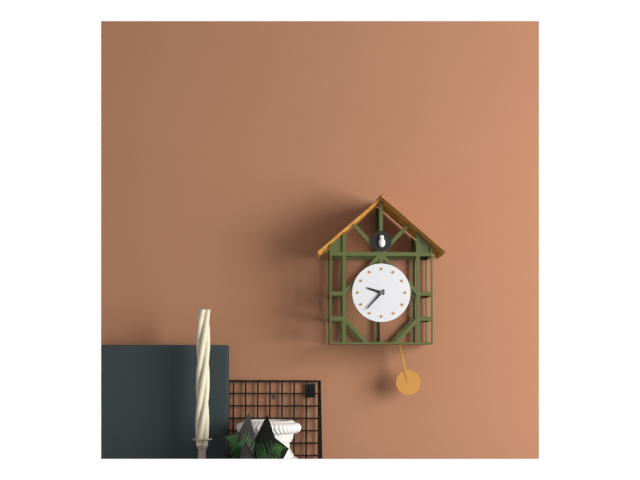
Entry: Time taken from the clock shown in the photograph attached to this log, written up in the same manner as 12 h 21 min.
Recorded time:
9 h 37 min
